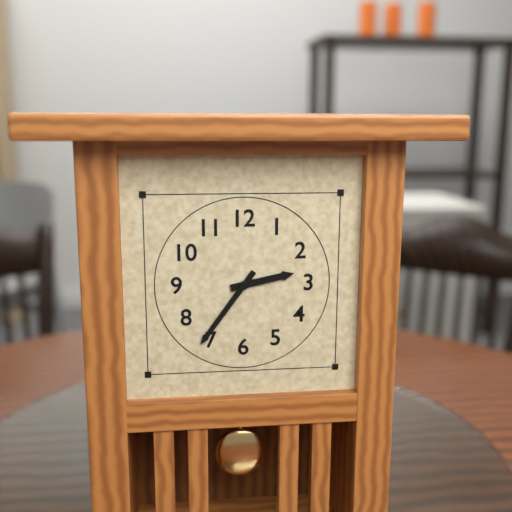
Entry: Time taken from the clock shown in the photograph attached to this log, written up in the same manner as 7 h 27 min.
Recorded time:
2 h 36 min
